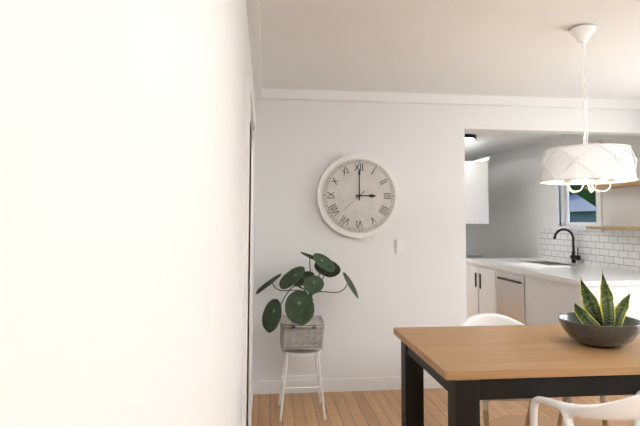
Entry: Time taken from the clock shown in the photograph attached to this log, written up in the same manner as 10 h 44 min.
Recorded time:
3 h 00 min
